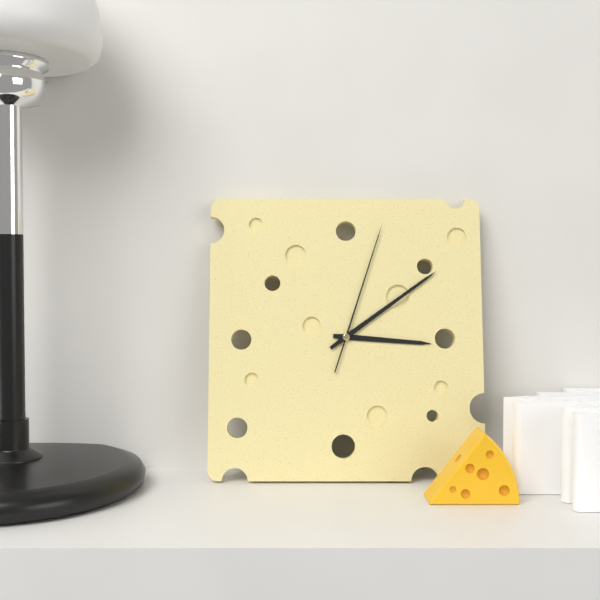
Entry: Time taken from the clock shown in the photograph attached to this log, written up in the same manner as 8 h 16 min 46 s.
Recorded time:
3 h 09 min 03 s
